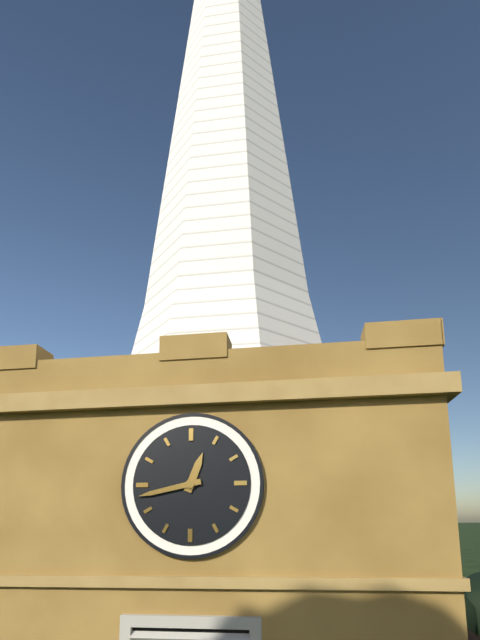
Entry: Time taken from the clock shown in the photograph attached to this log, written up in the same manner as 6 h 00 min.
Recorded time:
12 h 43 min
